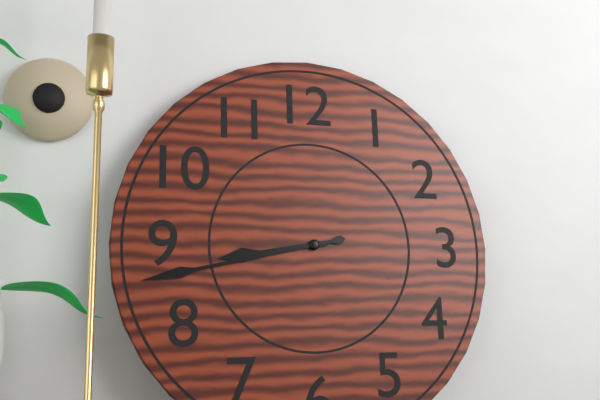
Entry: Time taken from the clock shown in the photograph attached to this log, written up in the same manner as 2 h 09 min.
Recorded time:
8 h 43 min
